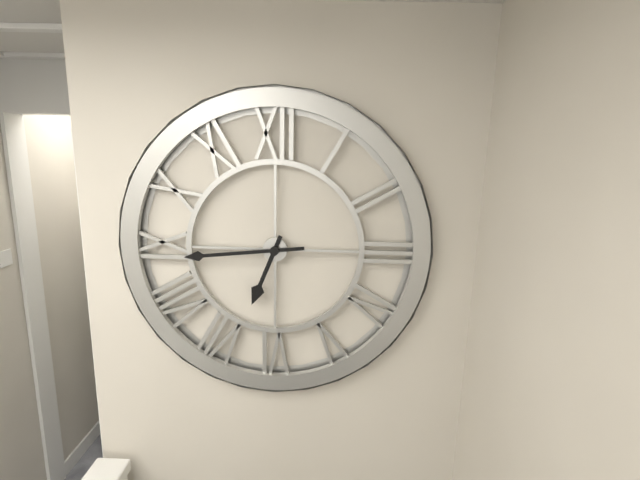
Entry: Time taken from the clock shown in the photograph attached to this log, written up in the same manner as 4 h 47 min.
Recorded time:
6 h 44 min
